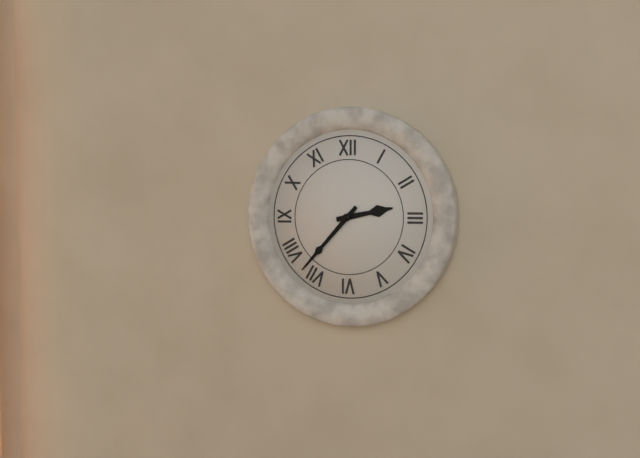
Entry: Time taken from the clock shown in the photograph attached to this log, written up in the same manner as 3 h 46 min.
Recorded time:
2 h 37 min
